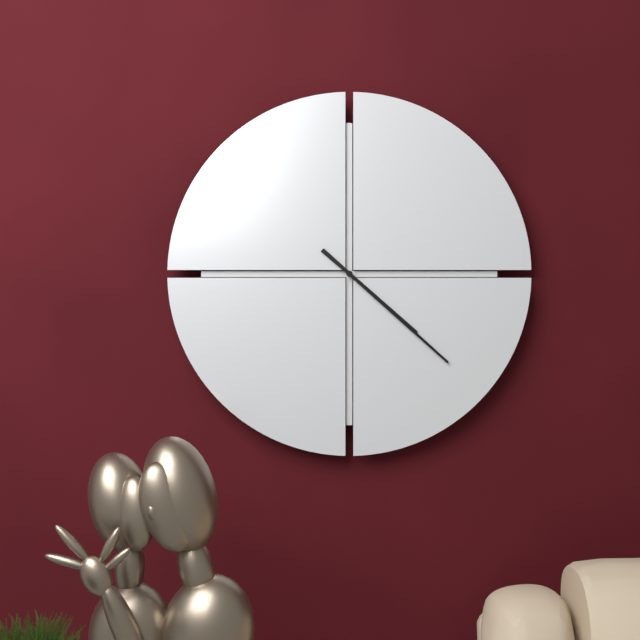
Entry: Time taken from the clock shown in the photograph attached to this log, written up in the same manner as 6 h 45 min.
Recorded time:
4 h 22 min
